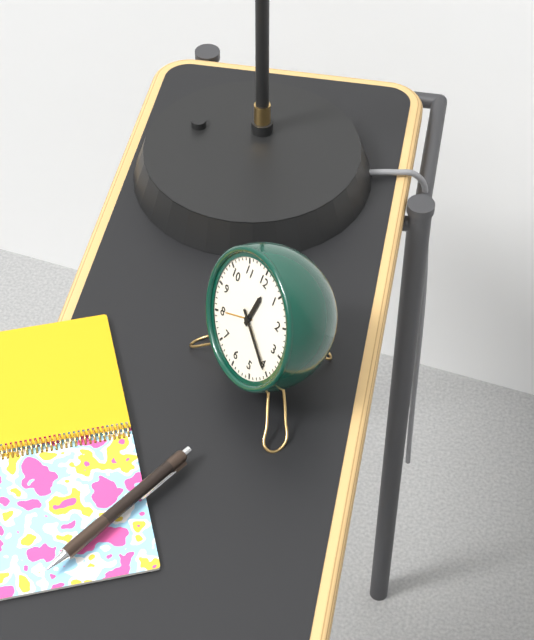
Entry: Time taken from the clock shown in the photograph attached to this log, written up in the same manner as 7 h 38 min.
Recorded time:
12 h 20 min
